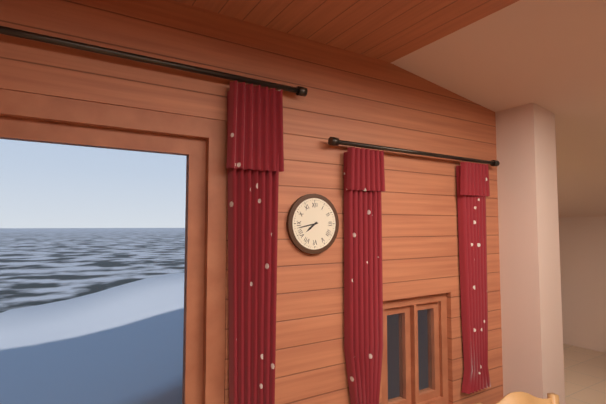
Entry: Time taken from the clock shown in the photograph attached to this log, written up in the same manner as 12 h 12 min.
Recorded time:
7 h 43 min
